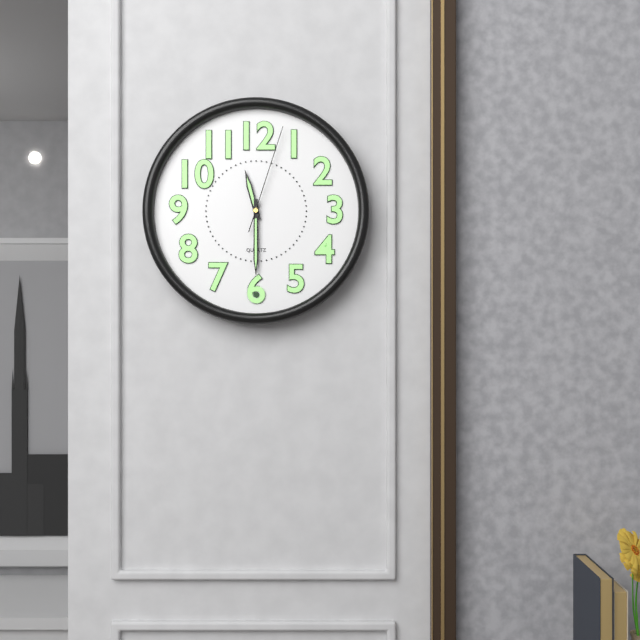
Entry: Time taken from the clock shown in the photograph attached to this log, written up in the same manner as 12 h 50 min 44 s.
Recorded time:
11 h 30 min 03 s
